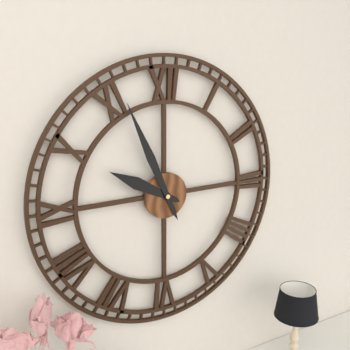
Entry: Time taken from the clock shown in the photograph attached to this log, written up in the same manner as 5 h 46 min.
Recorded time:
9 h 56 min
